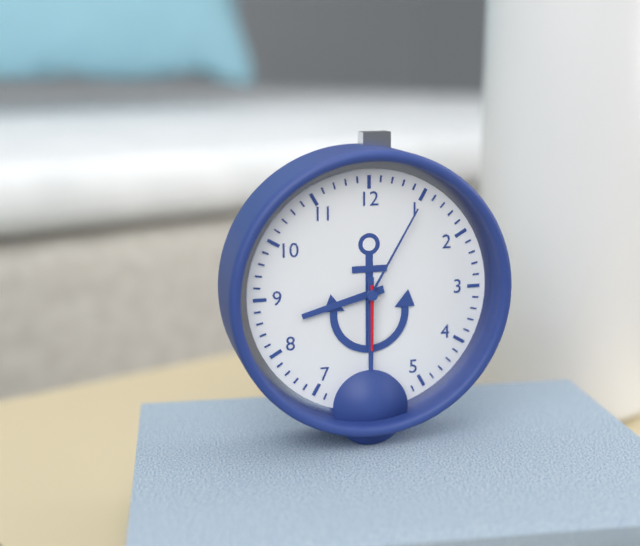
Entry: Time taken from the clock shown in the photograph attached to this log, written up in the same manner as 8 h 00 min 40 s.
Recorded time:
8 h 30 min 30 s
